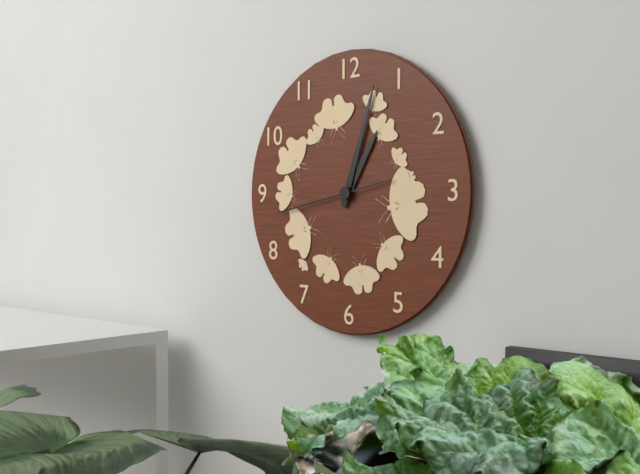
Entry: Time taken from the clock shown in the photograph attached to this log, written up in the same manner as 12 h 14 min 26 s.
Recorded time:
1 h 03 min 43 s
